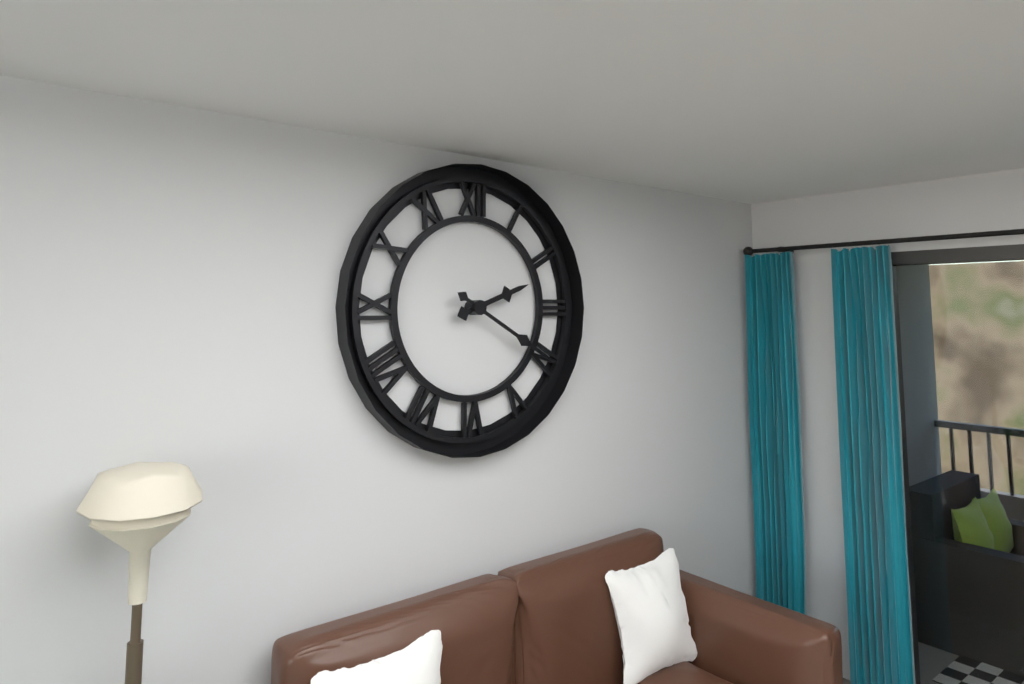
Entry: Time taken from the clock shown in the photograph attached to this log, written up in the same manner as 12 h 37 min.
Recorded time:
2 h 20 min
